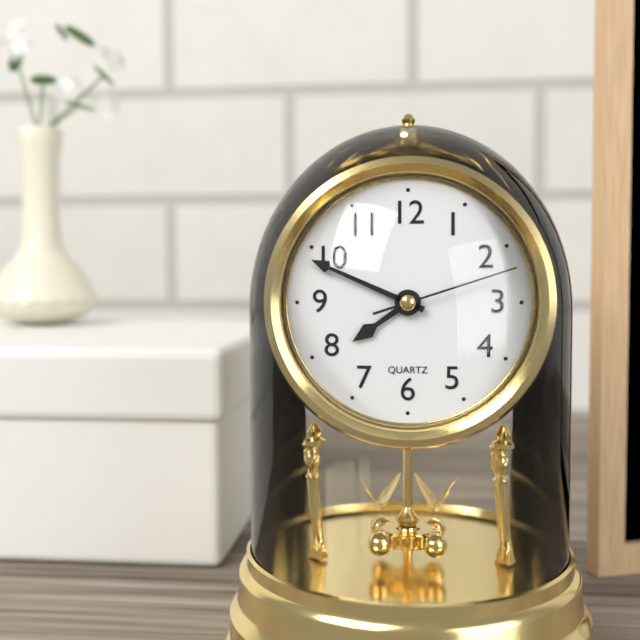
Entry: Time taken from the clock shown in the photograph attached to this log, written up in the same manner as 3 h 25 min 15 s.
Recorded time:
7 h 49 min 12 s
